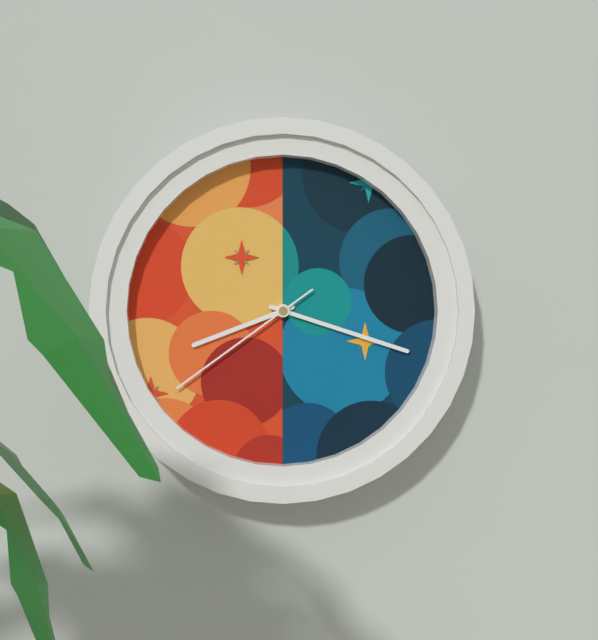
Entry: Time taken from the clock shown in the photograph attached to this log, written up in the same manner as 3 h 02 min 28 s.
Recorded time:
8 h 18 min 39 s
